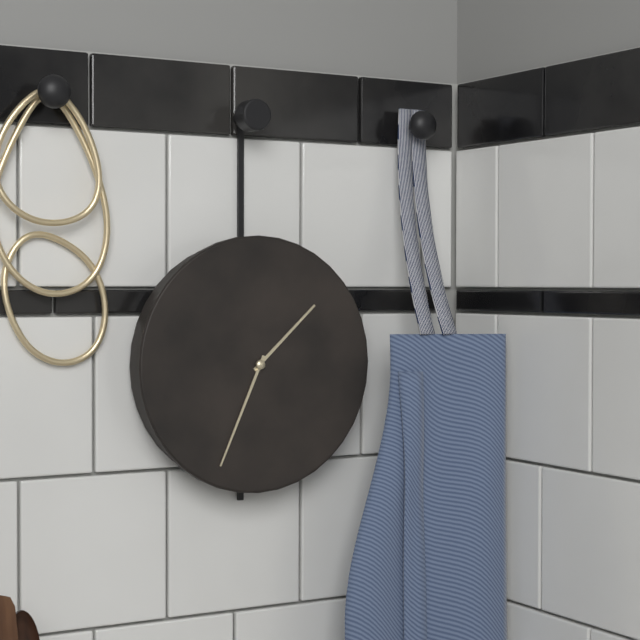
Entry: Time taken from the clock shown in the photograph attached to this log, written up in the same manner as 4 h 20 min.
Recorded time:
1 h 34 min
